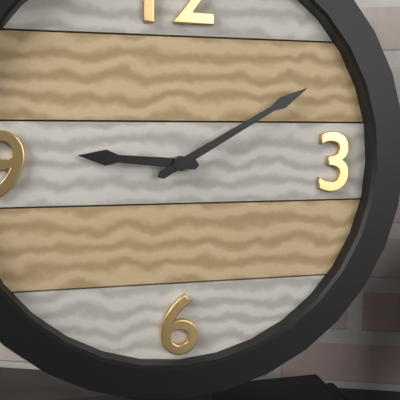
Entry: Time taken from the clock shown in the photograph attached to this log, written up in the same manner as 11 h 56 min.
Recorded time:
9 h 10 min
